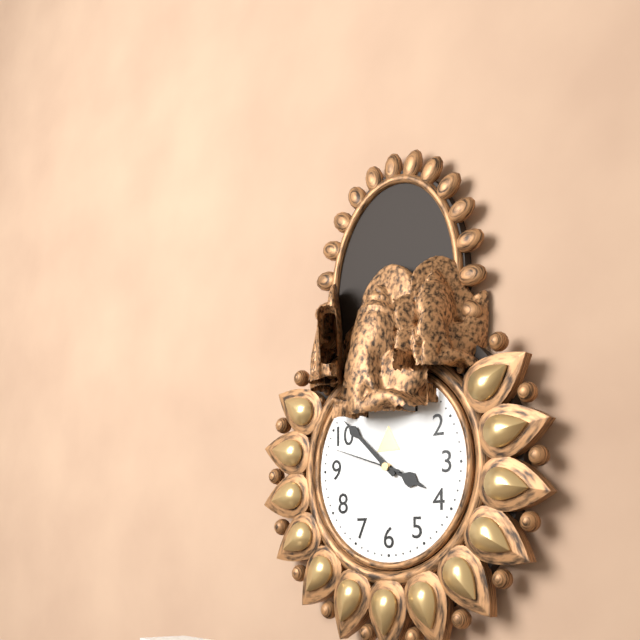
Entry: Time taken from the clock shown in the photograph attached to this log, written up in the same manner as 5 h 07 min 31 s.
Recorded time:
3 h 52 min 48 s
